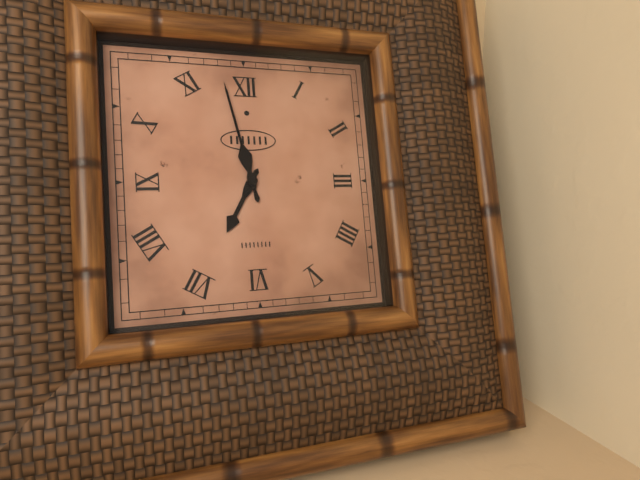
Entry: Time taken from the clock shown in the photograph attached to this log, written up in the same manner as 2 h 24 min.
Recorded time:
6 h 58 min
